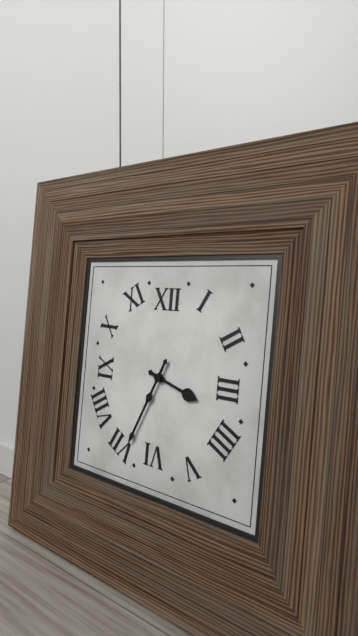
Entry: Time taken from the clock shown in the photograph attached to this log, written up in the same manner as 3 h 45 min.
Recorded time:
3 h 34 min
